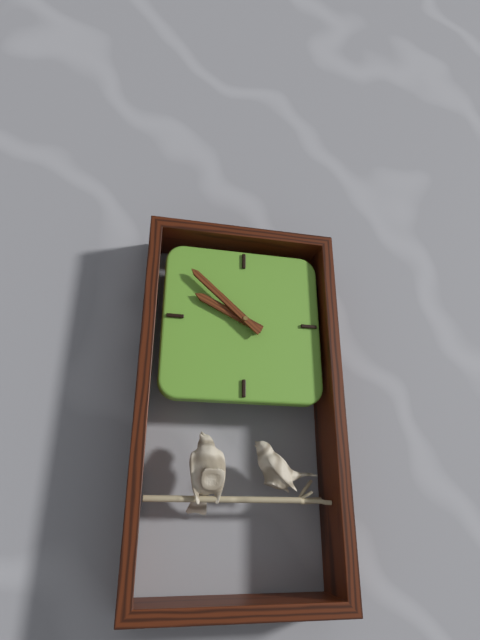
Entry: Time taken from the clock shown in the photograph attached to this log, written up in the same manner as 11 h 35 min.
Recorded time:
9 h 52 min
